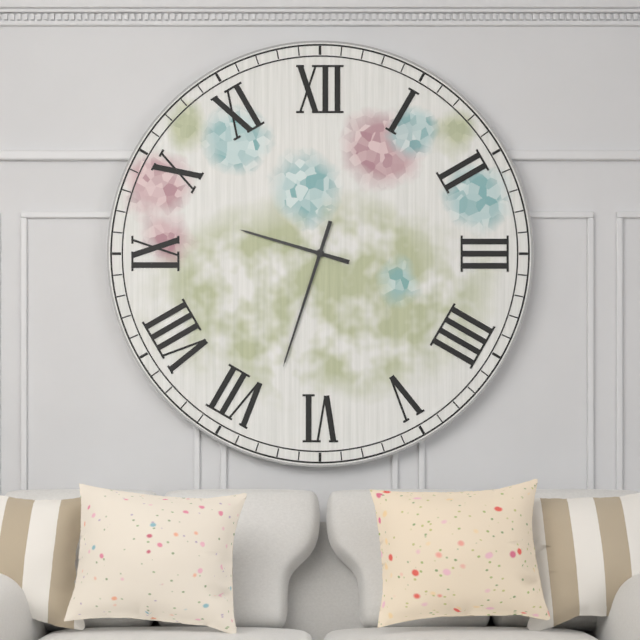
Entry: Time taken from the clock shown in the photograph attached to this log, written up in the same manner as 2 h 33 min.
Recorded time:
9 h 33 min
